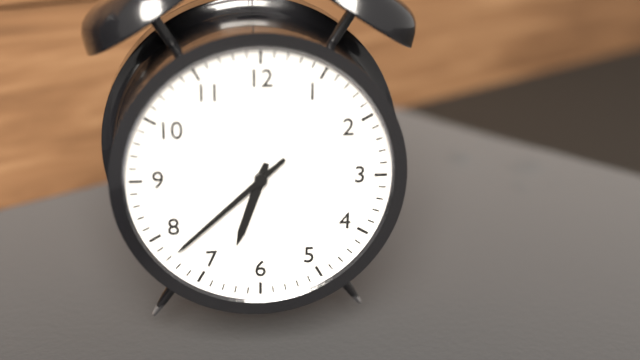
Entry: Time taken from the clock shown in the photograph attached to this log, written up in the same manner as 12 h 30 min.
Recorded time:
6 h 38 min
